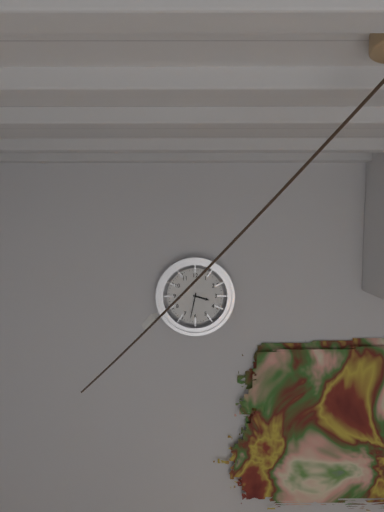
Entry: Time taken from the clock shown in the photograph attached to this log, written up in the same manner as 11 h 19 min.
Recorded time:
3 h 32 min
